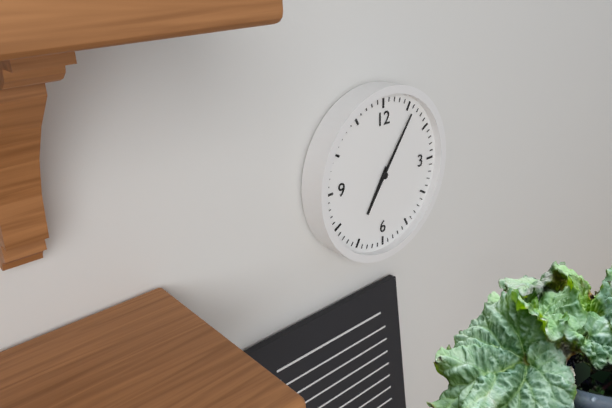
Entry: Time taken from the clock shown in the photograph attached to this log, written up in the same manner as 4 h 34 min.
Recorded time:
7 h 06 min
